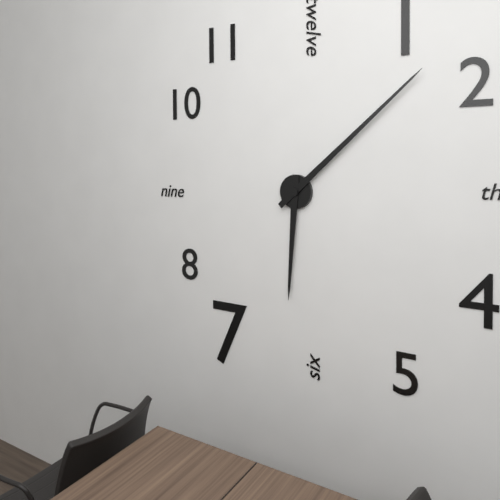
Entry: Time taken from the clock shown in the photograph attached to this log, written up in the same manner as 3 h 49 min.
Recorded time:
6 h 08 min
